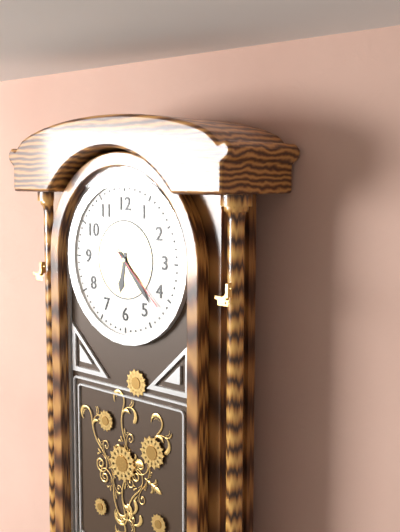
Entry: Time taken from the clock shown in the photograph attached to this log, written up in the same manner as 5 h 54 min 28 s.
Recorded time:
6 h 23 min 22 s
